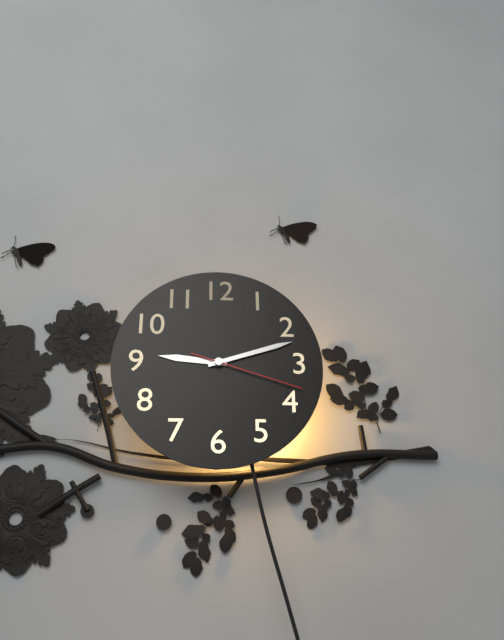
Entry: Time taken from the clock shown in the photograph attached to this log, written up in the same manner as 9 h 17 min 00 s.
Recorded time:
9 h 12 min 18 s
